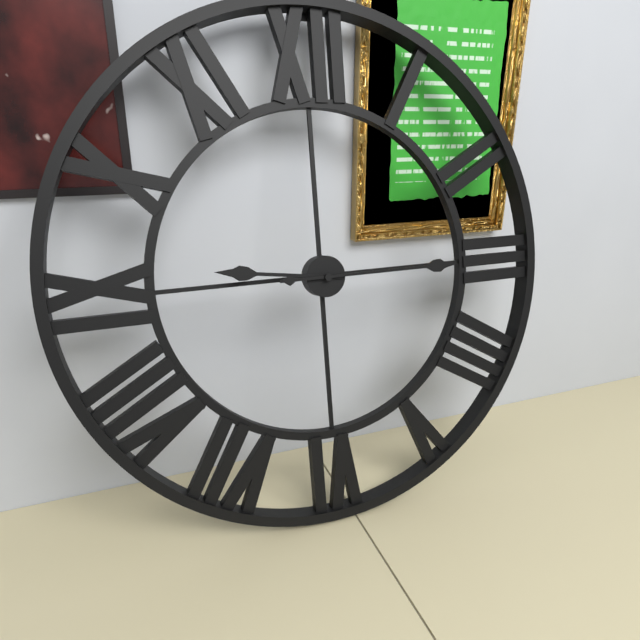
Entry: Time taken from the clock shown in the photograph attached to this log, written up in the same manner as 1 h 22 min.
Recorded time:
9 h 15 min
